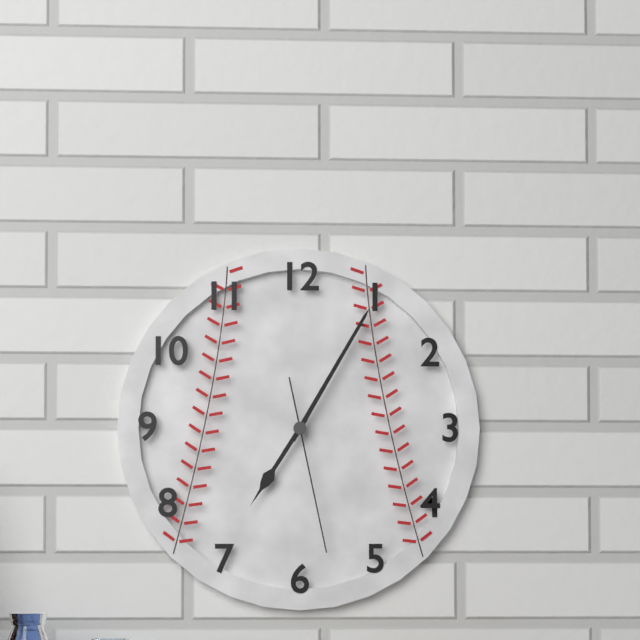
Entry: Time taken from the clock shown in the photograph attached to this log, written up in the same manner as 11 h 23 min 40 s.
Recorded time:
7 h 05 min 28 s
